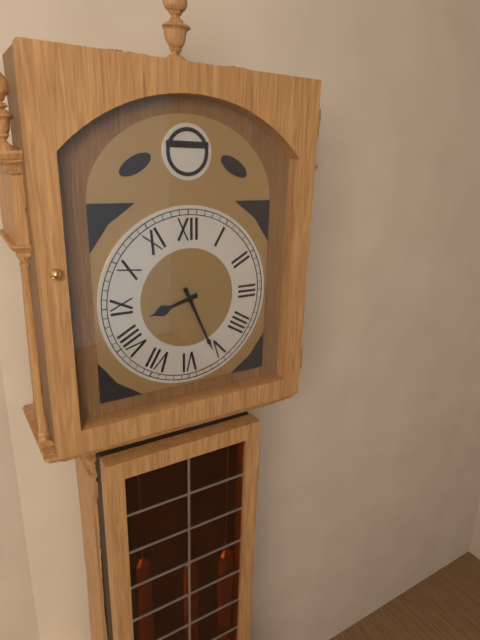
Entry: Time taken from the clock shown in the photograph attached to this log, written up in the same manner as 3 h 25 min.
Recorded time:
8 h 26 min
